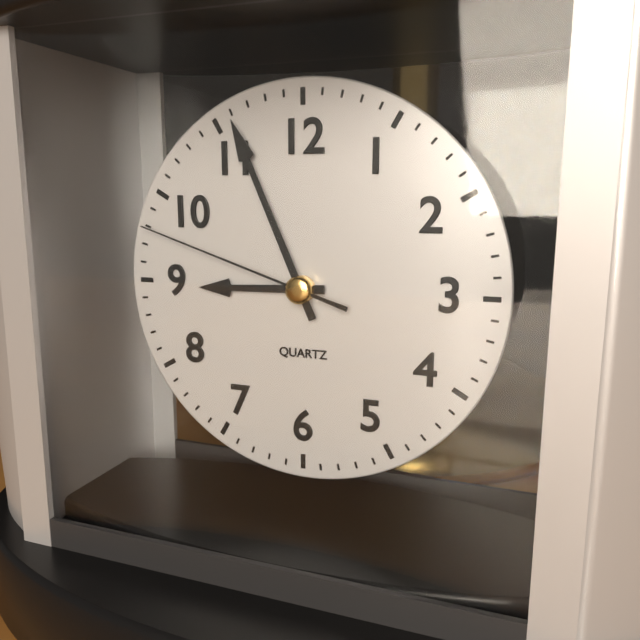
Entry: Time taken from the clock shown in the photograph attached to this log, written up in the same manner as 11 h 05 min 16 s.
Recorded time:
8 h 56 min 48 s
